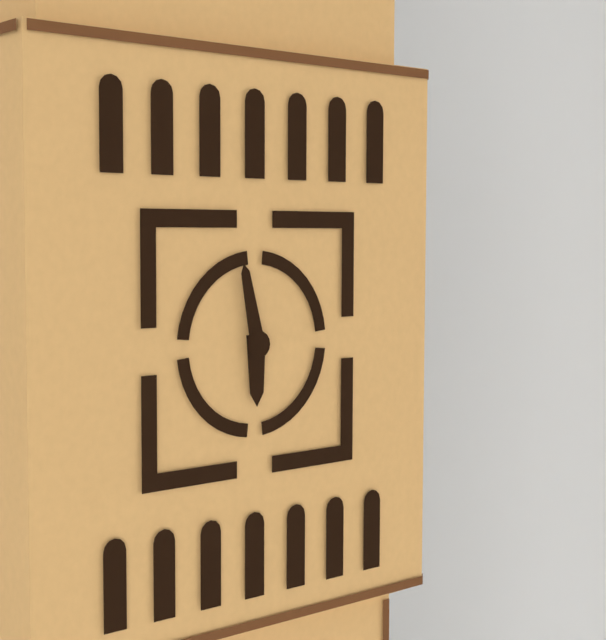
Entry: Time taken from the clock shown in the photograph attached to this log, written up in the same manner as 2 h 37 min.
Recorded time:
5 h 58 min
